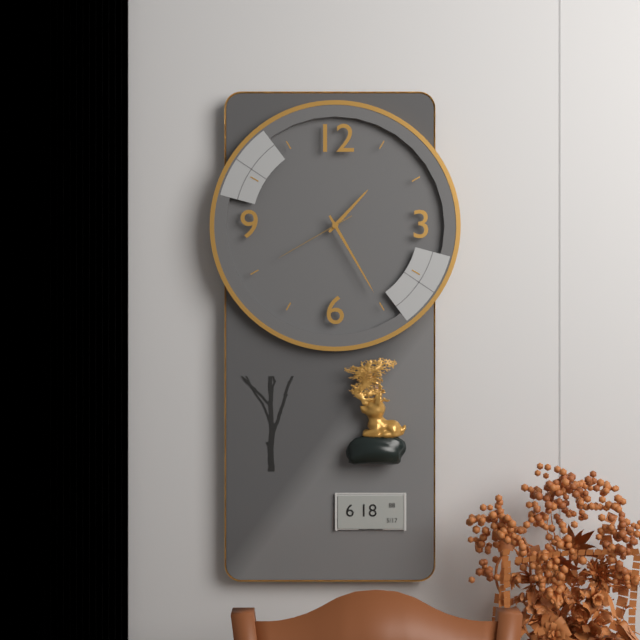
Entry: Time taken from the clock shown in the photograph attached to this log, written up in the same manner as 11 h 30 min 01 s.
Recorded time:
1 h 25 min 40 s
